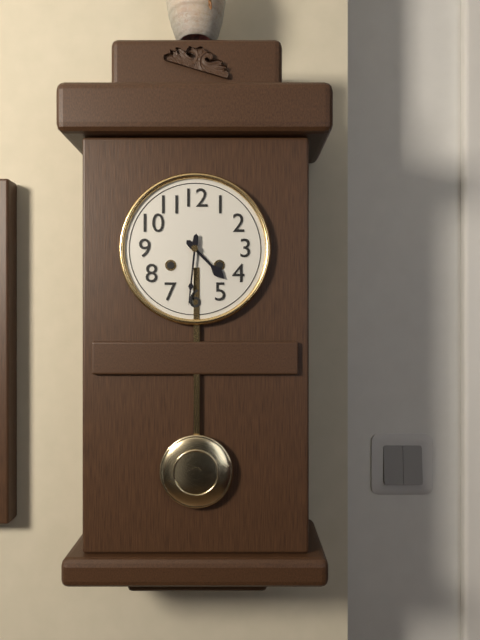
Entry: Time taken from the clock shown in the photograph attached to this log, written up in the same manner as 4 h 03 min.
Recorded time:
4 h 31 min
